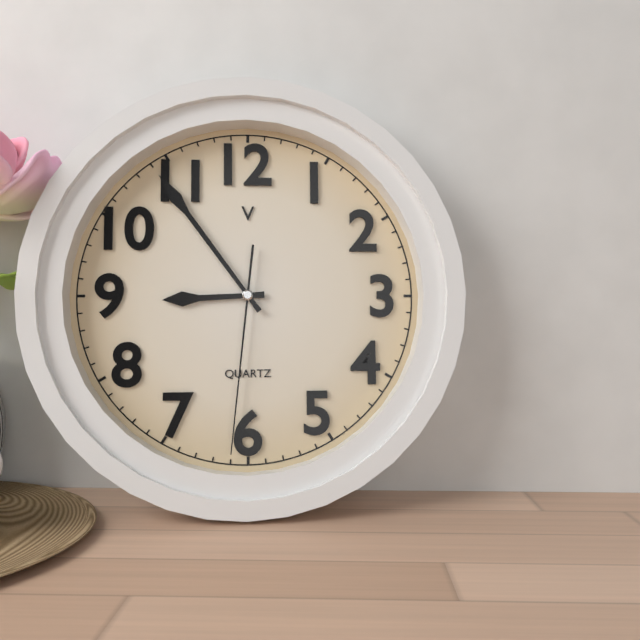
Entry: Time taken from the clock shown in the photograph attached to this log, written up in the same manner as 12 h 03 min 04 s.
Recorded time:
8 h 54 min 31 s
